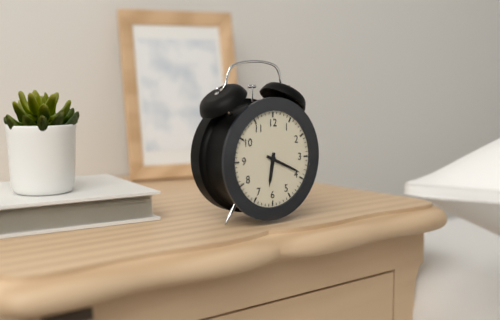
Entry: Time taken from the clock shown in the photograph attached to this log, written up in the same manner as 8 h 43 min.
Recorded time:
6 h 19 min
